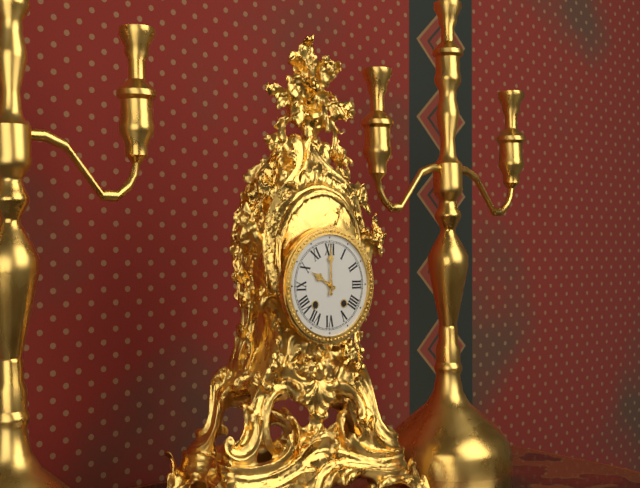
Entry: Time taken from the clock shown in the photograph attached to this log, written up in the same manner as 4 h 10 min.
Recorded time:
10 h 00 min
